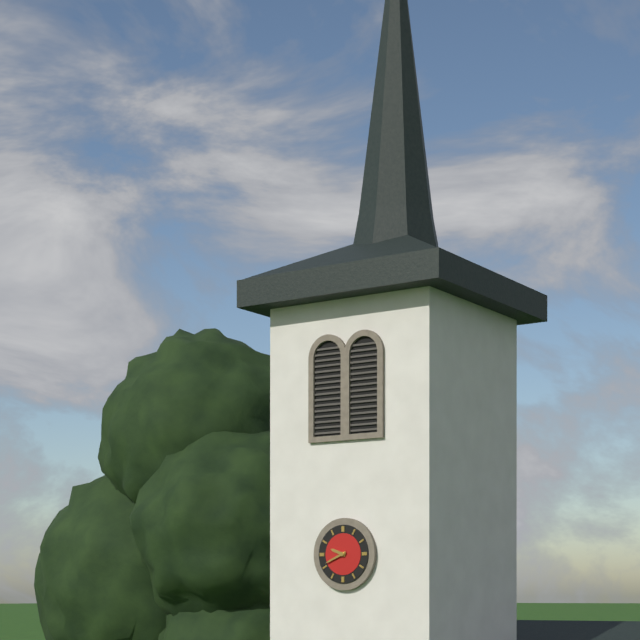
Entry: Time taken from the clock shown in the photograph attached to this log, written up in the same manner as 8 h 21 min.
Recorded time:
9 h 41 min
